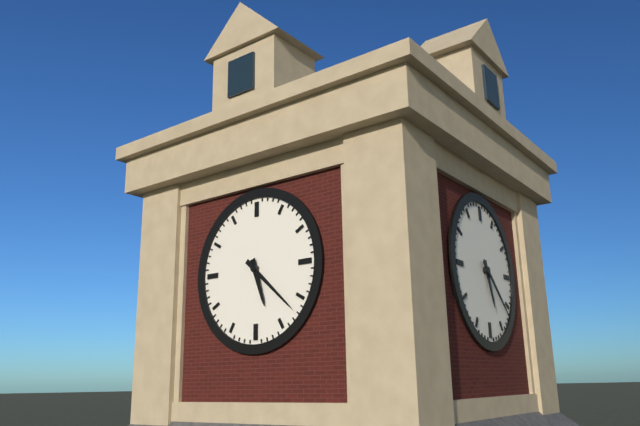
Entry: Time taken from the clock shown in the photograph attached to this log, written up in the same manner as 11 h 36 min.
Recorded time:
5 h 22 min
